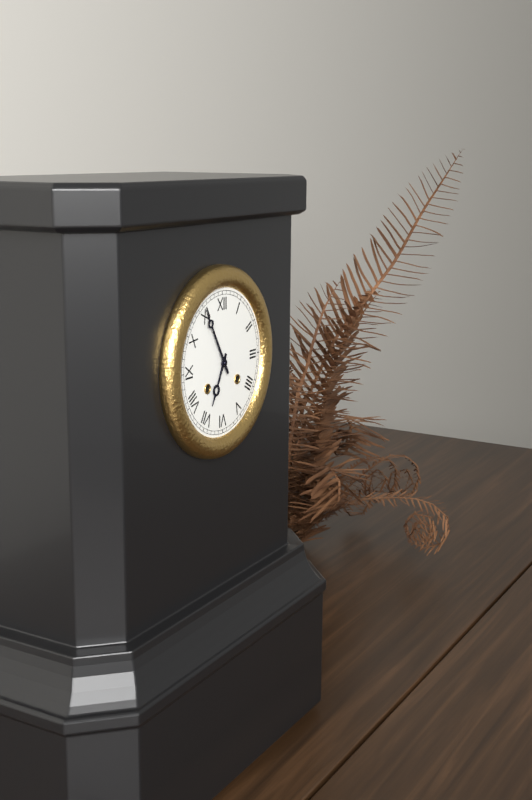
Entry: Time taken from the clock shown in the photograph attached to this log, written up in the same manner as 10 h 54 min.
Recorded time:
6 h 55 min
